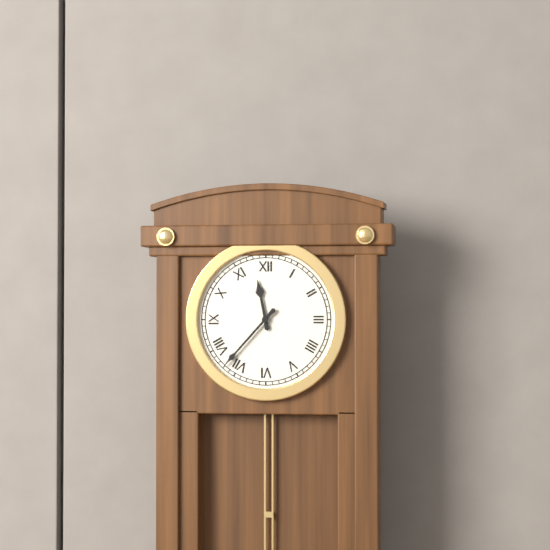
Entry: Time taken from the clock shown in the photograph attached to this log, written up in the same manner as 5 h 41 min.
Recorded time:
11 h 37 min
